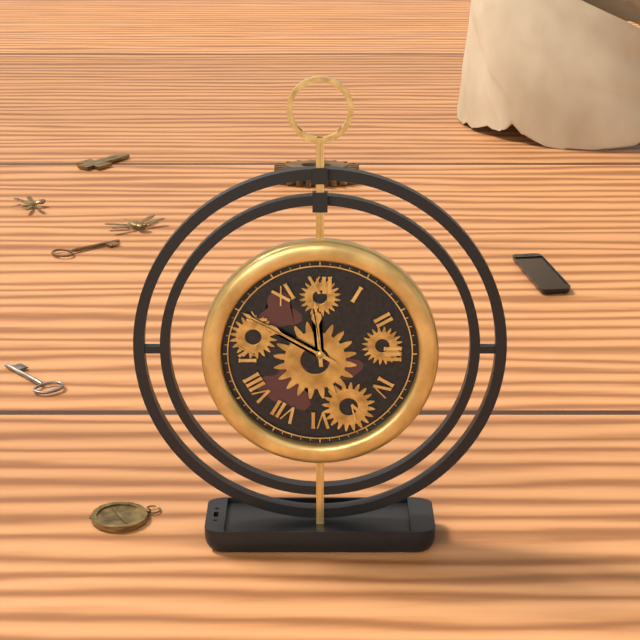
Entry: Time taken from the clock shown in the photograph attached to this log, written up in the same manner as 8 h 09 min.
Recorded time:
11 h 50 min
